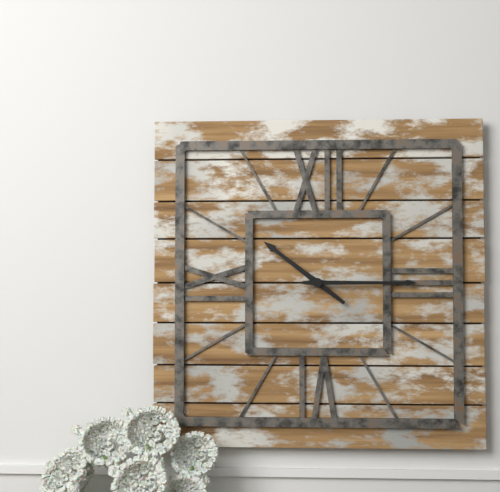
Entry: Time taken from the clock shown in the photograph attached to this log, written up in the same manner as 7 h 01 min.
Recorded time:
10 h 15 min
